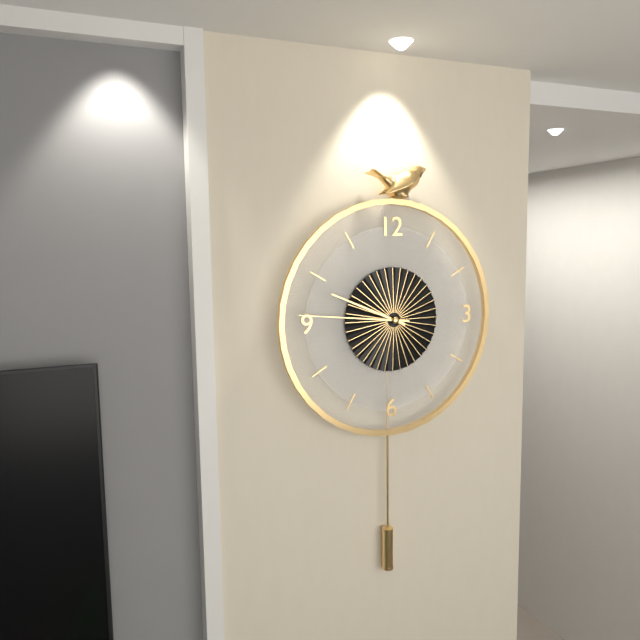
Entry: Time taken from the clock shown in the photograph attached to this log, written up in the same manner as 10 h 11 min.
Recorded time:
9 h 46 min
